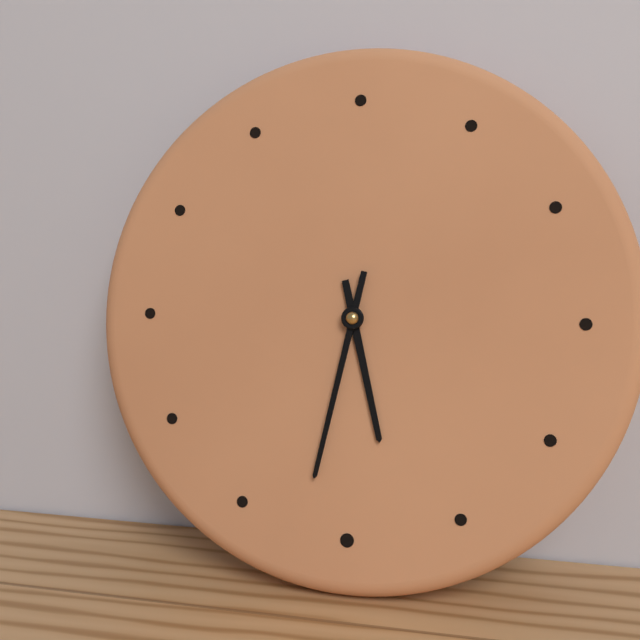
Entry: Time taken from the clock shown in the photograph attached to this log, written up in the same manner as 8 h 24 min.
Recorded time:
5 h 32 min
